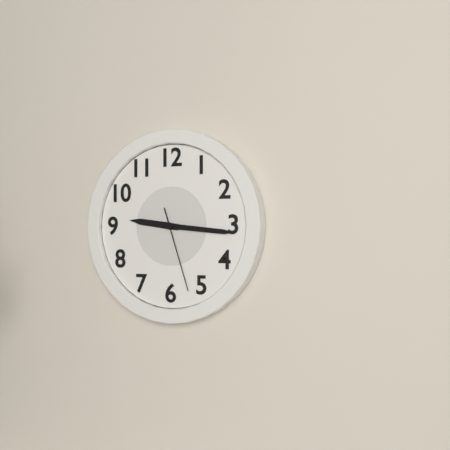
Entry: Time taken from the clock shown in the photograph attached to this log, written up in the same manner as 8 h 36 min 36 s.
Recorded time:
9 h 16 min 27 s
